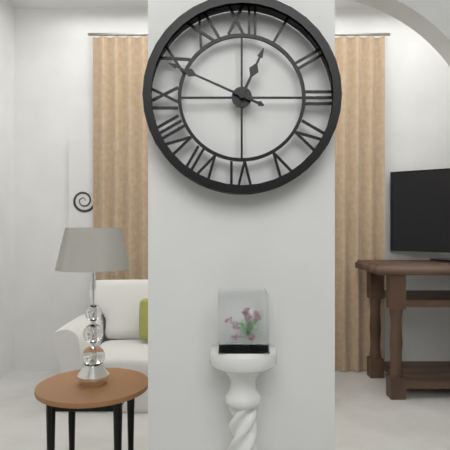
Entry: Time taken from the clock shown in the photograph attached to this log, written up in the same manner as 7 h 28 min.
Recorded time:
12 h 49 min
